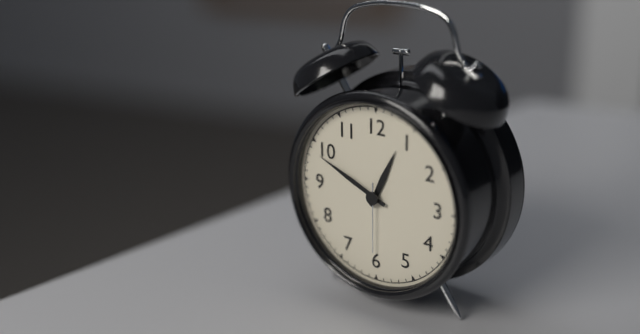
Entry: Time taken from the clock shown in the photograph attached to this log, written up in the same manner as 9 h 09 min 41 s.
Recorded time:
12 h 49 min 30 s
